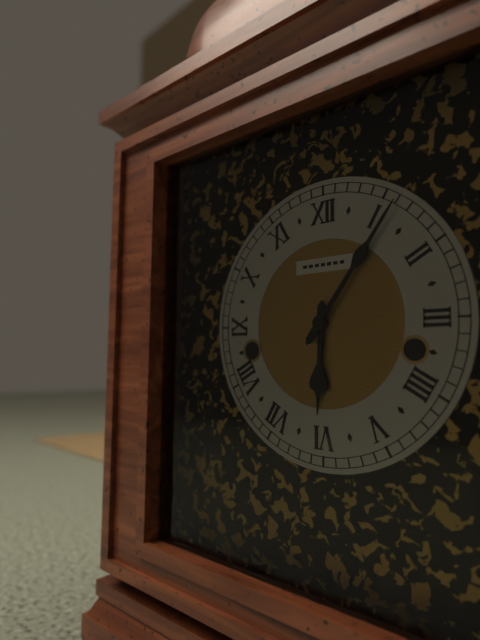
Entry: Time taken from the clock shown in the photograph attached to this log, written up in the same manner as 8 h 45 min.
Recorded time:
6 h 06 min
